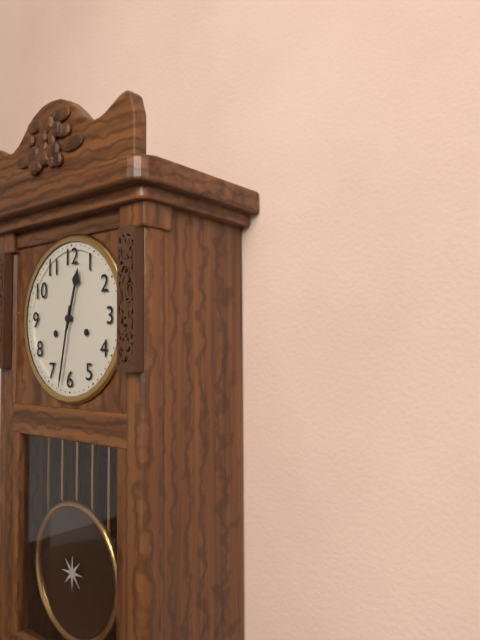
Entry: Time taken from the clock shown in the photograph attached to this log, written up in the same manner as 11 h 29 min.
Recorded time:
12 h 32 min
